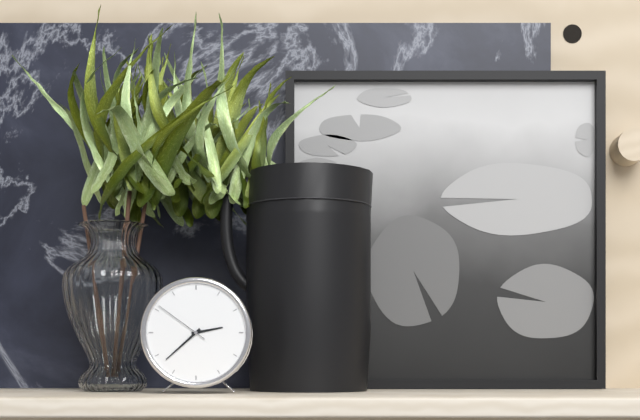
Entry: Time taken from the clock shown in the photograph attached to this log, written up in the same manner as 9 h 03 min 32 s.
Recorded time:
2 h 38 min 51 s
